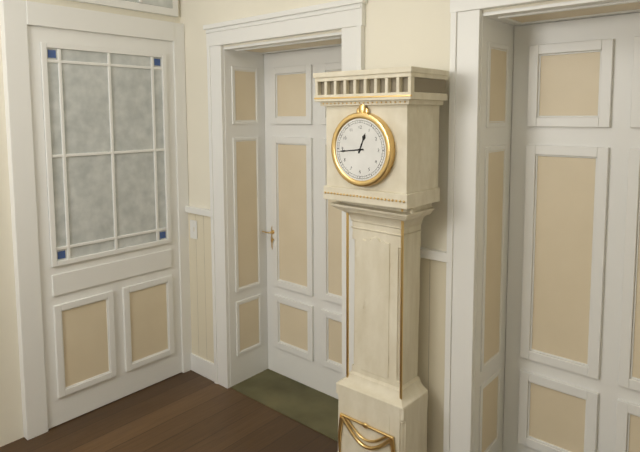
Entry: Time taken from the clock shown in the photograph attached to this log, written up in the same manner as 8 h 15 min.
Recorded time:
12 h 44 min
